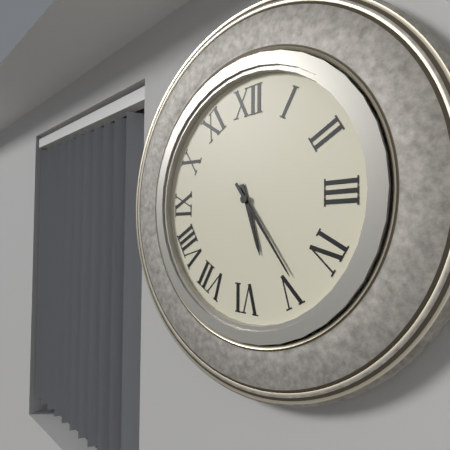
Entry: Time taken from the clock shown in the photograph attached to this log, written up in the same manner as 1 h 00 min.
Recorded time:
5 h 24 min
